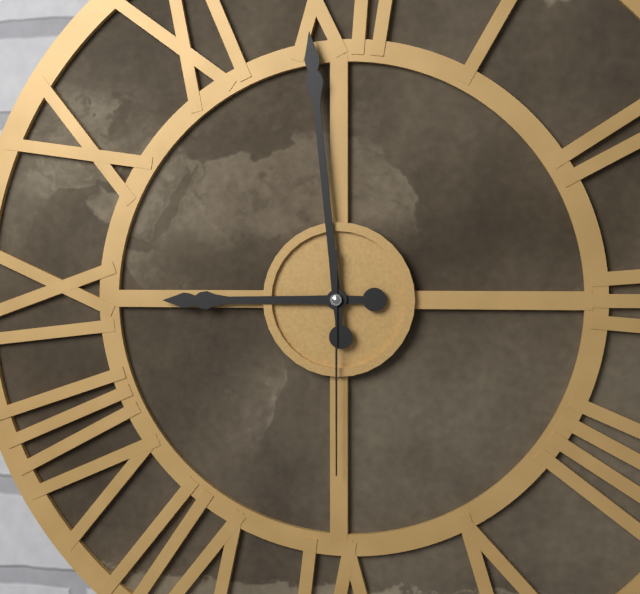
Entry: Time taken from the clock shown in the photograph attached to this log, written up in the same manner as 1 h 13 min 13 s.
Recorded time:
8 h 59 min 30 s
